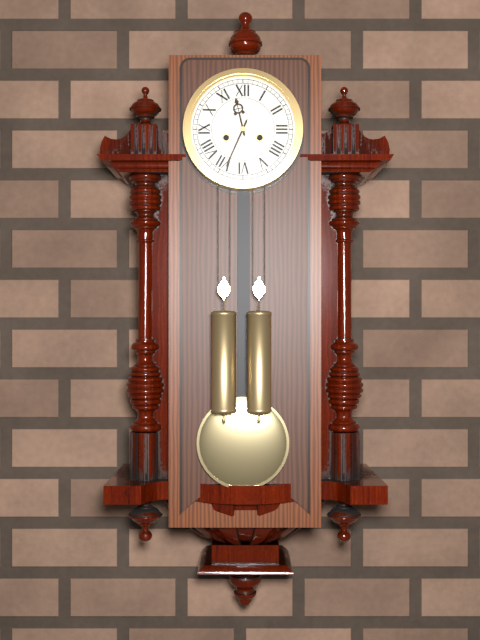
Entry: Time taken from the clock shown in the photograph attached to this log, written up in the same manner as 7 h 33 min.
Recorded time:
11 h 34 min
